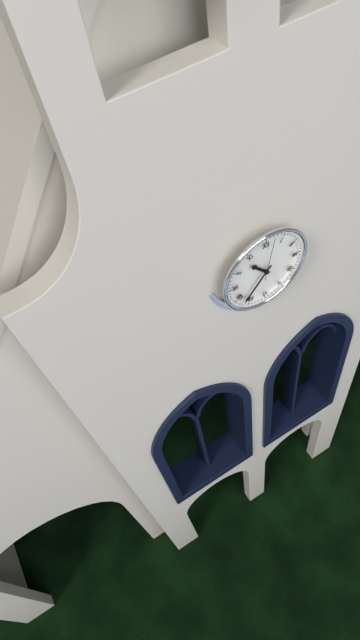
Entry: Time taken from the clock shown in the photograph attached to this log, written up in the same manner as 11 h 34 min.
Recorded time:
10 h 37 min
